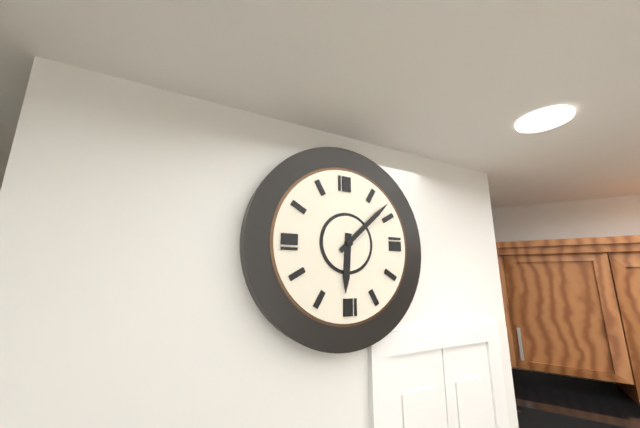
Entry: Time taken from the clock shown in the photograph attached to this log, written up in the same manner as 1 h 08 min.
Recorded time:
6 h 08 min
